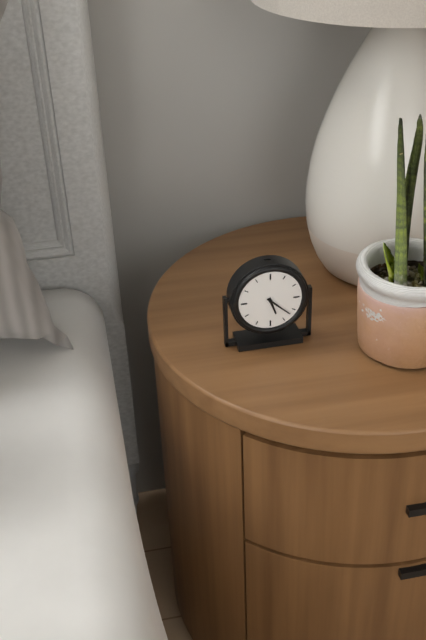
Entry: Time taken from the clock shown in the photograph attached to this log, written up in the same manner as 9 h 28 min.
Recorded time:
5 h 22 min
